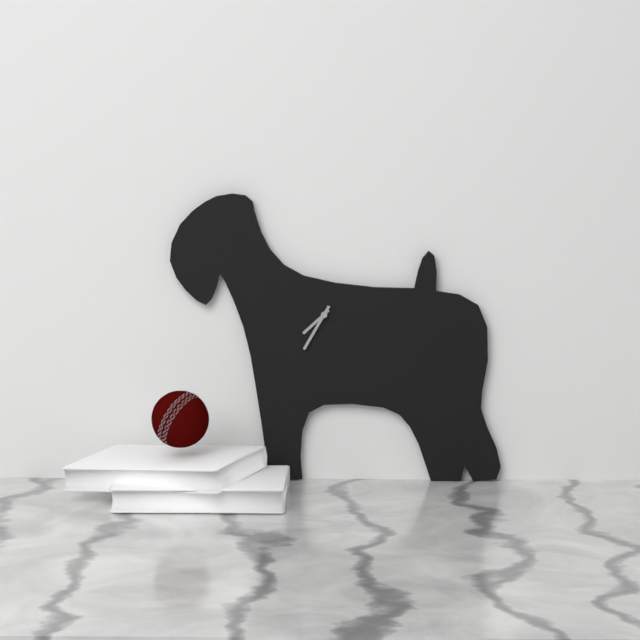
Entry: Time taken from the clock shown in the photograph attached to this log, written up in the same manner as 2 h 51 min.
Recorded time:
7 h 35 min
